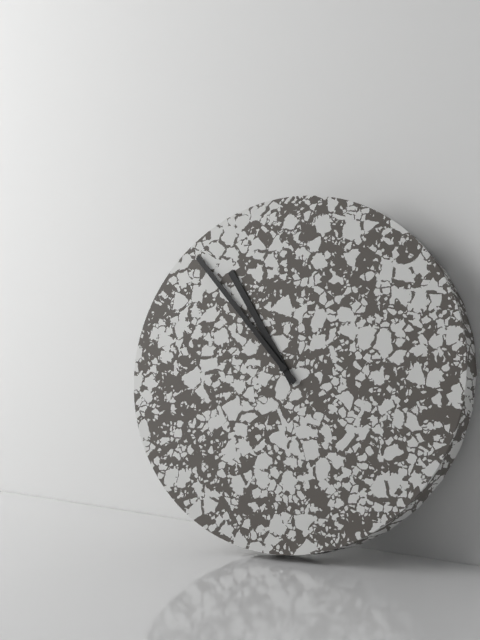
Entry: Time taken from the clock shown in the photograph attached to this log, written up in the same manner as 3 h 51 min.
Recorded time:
10 h 53 min
